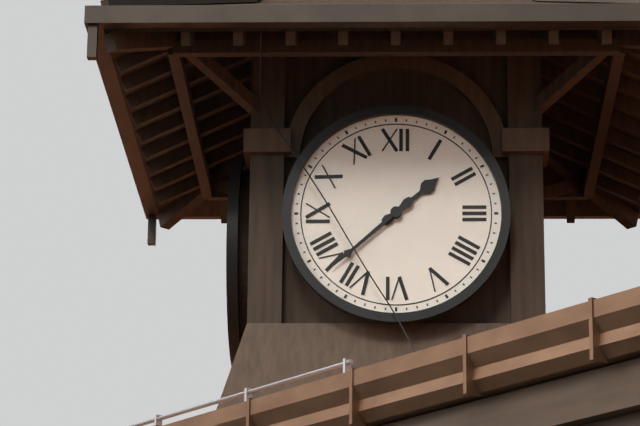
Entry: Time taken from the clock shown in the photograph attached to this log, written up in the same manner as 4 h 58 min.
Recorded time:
1 h 38 min
